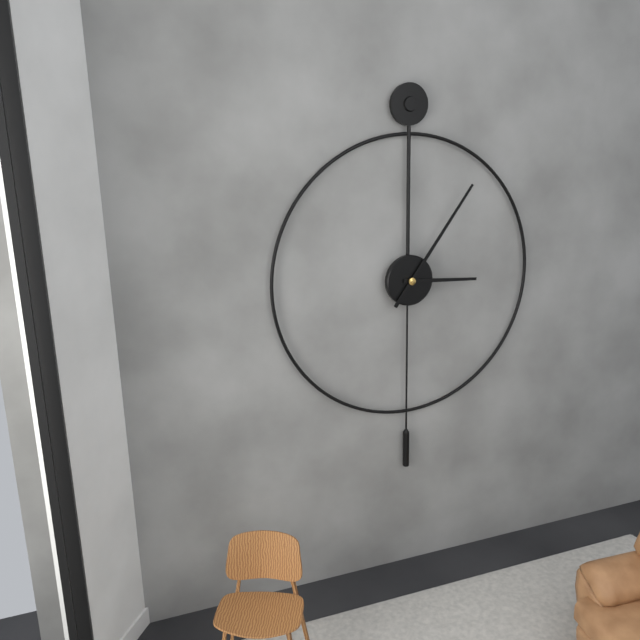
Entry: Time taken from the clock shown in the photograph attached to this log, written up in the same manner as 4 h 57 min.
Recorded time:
3 h 06 min
